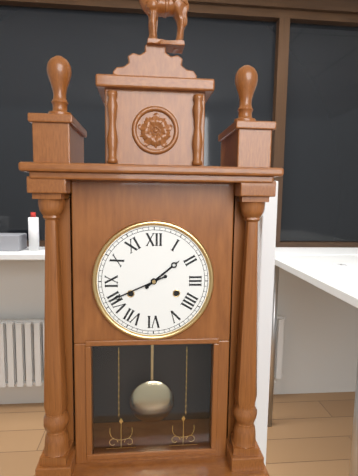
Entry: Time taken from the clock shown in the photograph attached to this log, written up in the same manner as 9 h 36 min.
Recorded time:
1 h 41 min
